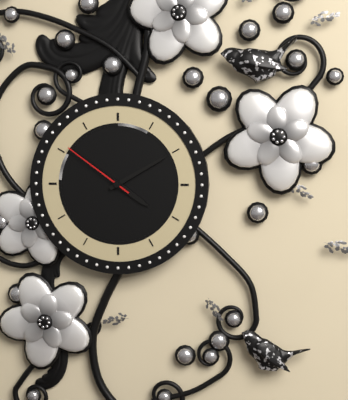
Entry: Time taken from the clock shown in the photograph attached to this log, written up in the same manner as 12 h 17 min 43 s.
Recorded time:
4 h 10 min 51 s
